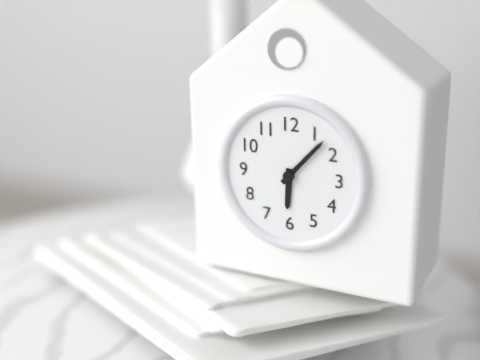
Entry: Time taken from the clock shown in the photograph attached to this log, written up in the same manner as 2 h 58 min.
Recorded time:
6 h 07 min
